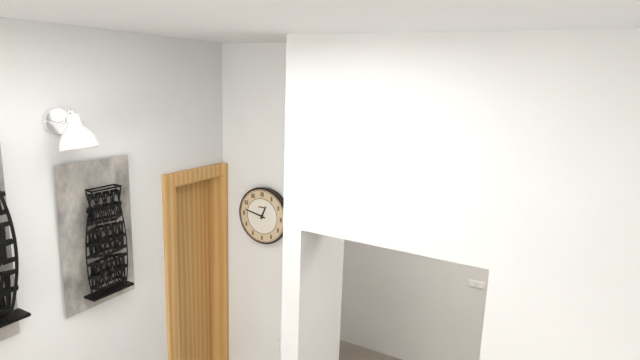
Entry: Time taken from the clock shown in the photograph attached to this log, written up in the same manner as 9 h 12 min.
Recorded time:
12 h 47 min
